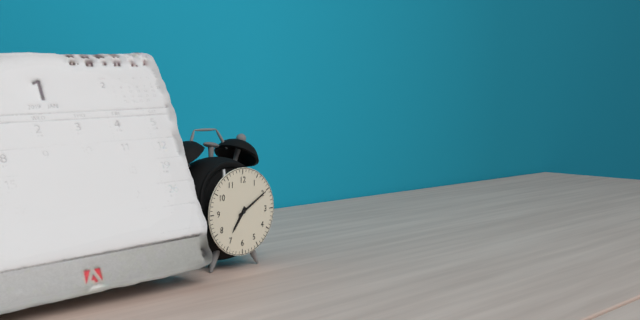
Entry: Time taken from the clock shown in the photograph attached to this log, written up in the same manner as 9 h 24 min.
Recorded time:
7 h 10 min
